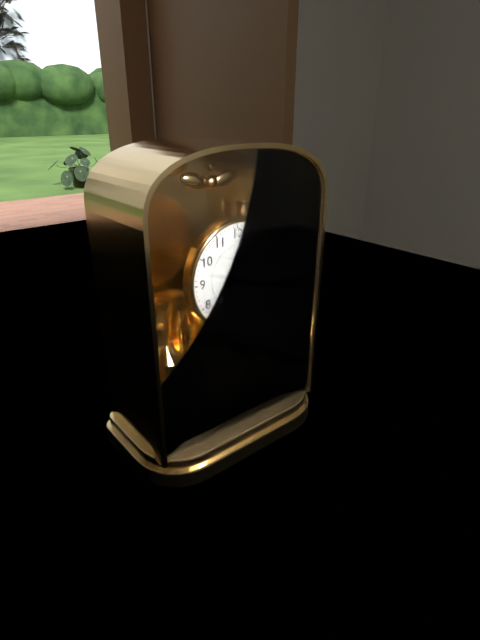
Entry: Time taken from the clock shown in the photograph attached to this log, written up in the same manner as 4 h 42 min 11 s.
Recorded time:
12 h 05 min 29 s
